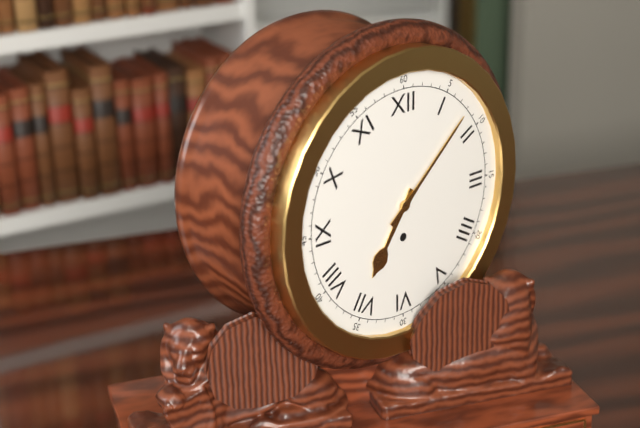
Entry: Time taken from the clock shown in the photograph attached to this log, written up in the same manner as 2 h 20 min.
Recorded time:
7 h 08 min
